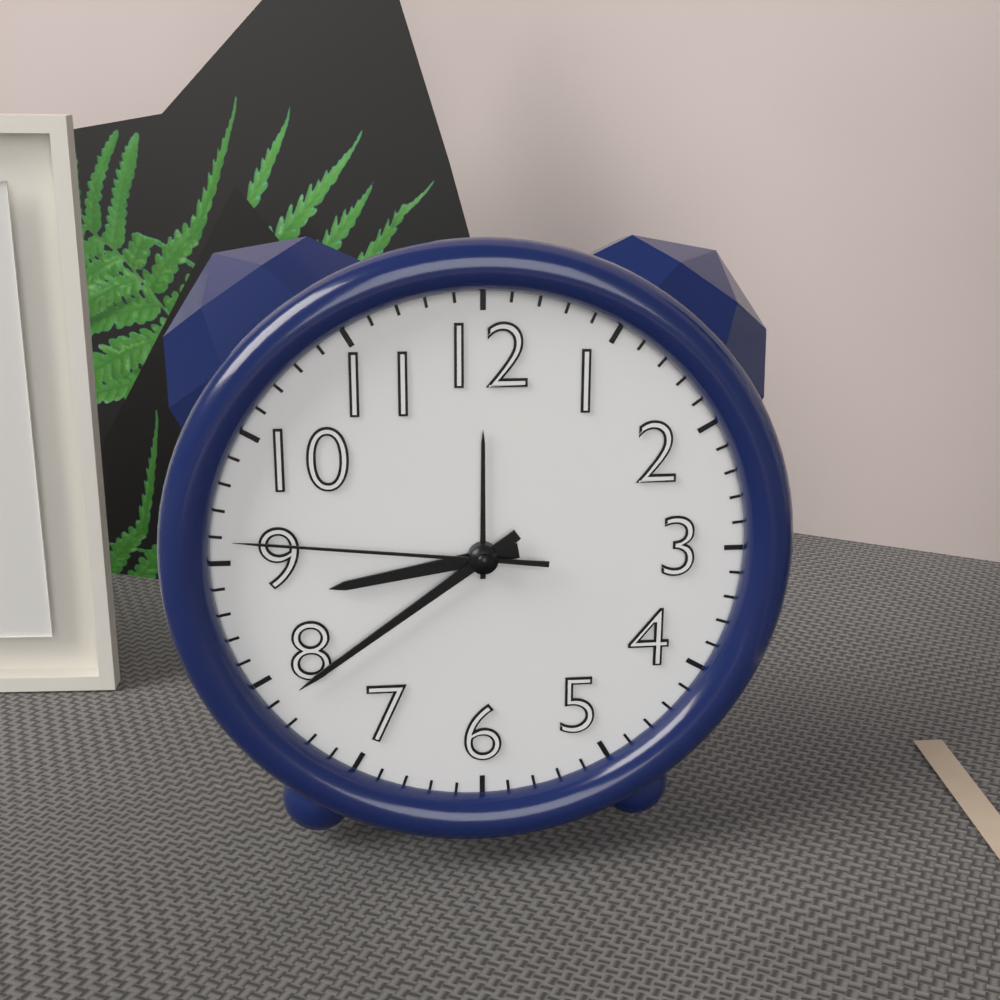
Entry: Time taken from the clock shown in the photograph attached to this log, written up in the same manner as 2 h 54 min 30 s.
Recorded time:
8 h 39 min 46 s
